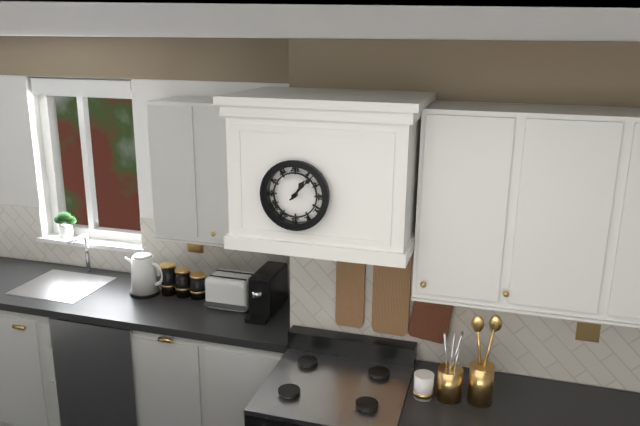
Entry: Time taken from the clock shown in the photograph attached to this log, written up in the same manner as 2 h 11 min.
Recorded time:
1 h 07 min
